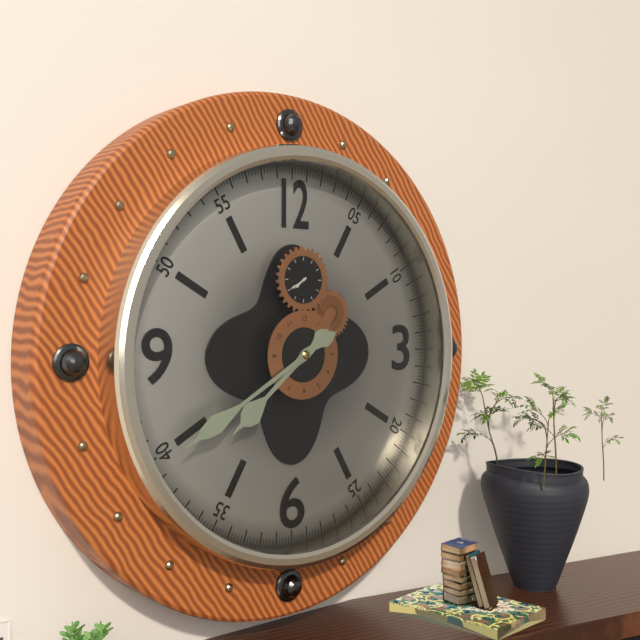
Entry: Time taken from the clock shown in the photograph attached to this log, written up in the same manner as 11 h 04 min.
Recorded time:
7 h 40 min
